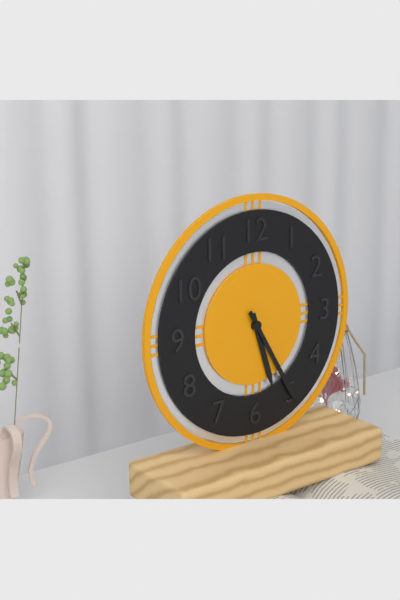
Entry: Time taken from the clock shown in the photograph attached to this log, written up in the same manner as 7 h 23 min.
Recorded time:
5 h 25 min
